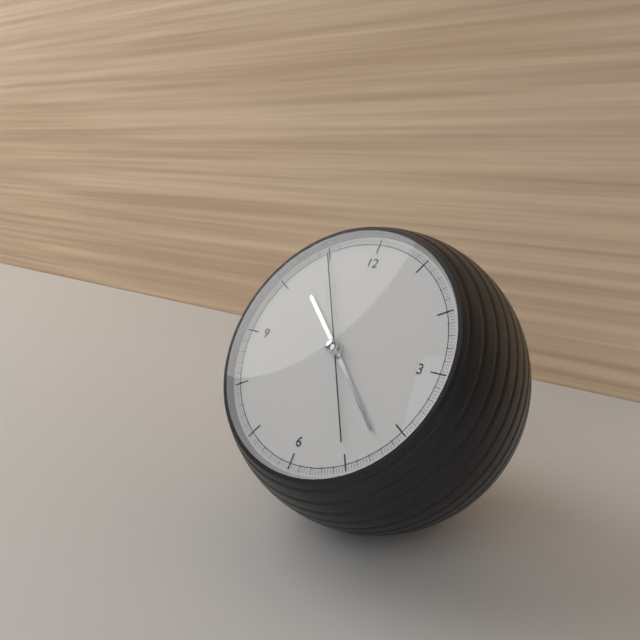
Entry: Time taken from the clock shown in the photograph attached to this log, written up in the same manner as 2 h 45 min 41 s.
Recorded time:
10 h 22 min 55 s
